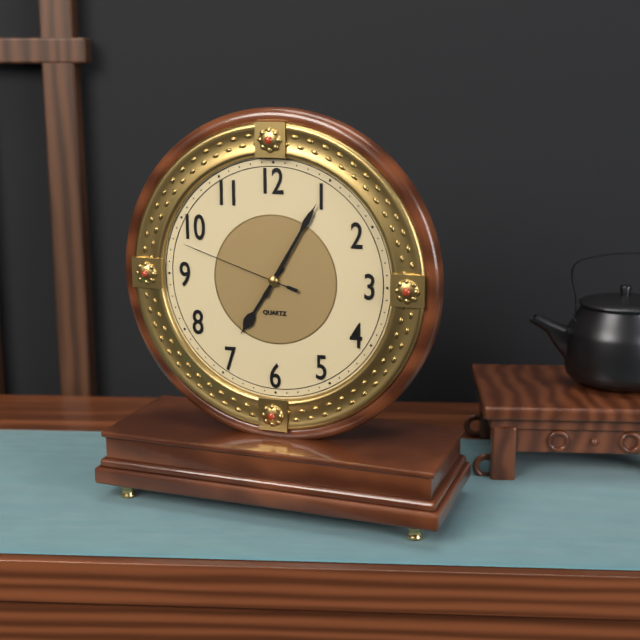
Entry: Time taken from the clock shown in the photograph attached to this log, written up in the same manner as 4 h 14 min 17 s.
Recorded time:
7 h 05 min 48 s
